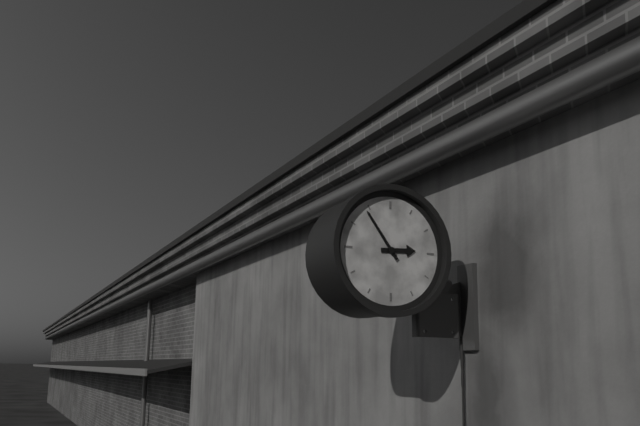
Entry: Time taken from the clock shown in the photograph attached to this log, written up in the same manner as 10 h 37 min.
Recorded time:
2 h 54 min
